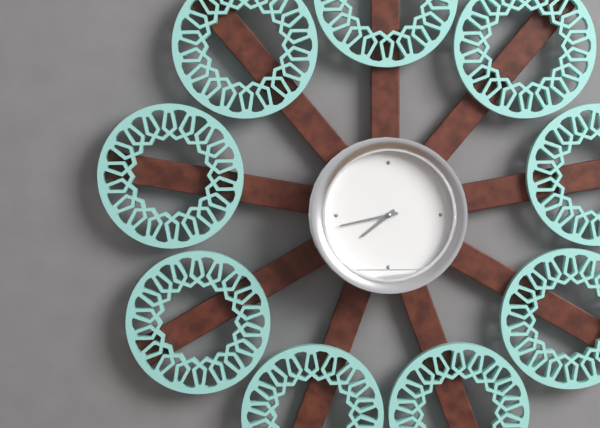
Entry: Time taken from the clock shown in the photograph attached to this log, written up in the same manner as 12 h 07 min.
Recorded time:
7 h 43 min
